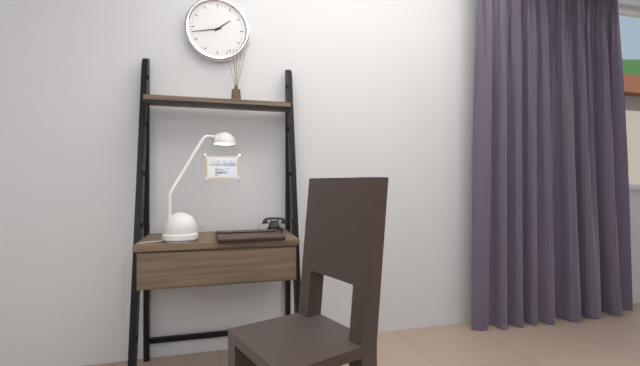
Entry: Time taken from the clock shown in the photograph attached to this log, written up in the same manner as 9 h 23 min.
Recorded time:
1 h 43 min
